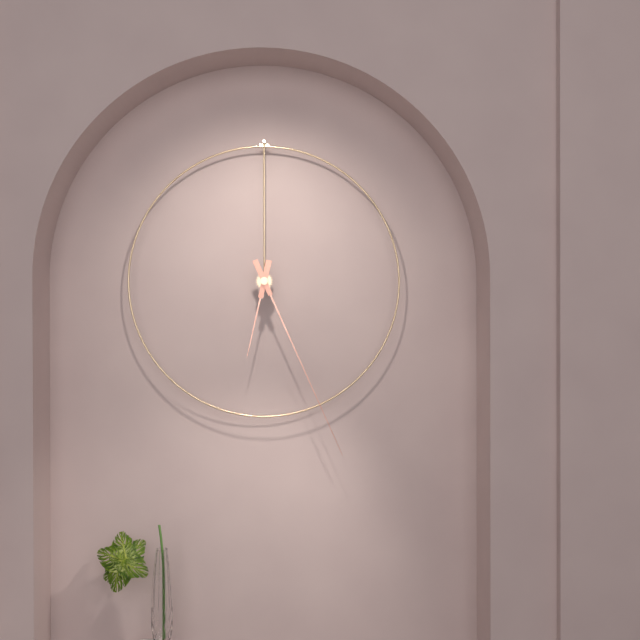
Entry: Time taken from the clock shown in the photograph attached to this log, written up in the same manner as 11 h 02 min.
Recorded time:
6 h 26 min
